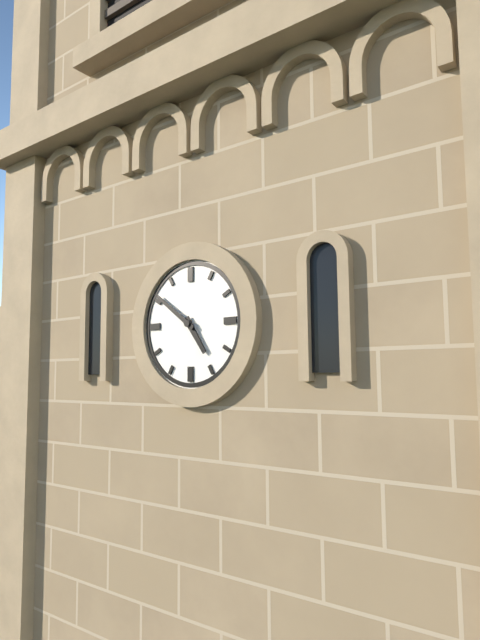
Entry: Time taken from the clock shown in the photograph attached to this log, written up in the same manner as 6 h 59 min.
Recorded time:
4 h 51 min
